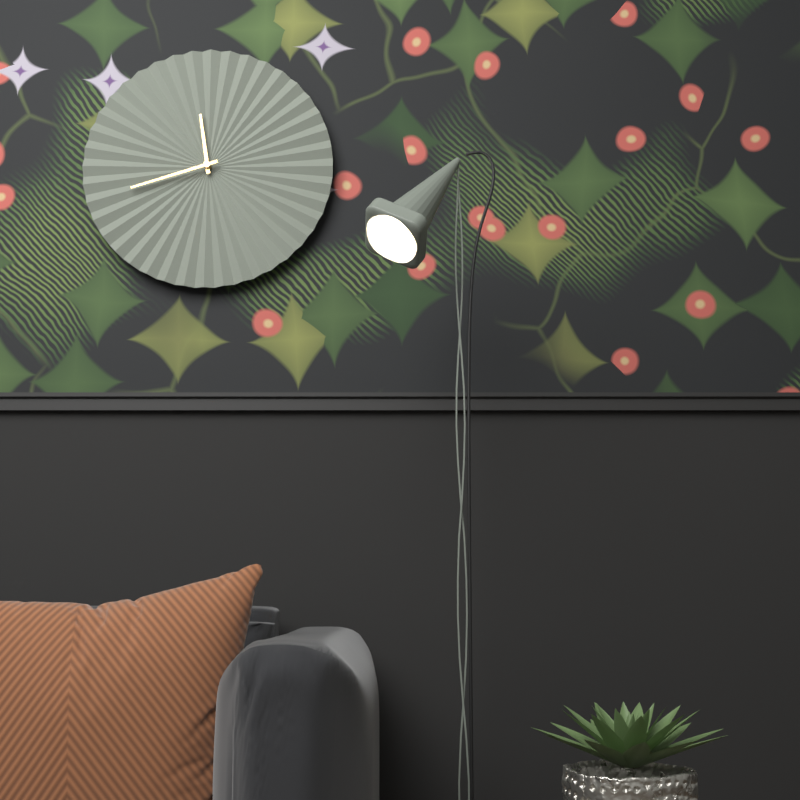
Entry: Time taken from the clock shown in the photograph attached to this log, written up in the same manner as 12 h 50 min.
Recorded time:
11 h 42 min
